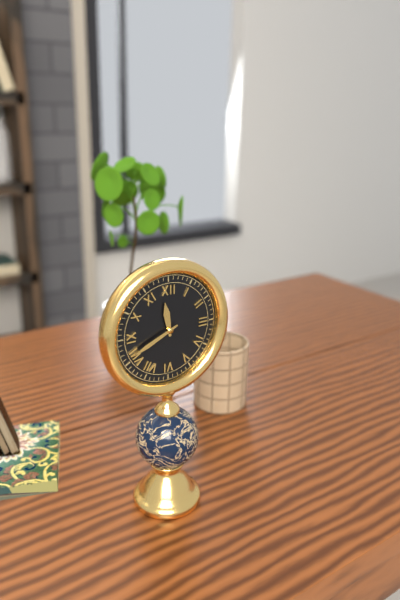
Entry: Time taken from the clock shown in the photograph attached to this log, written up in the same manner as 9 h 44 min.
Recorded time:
11 h 41 min
